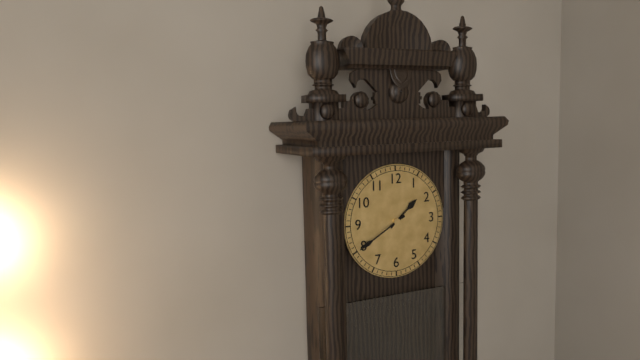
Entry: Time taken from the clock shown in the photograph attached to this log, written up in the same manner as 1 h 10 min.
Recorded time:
1 h 40 min
